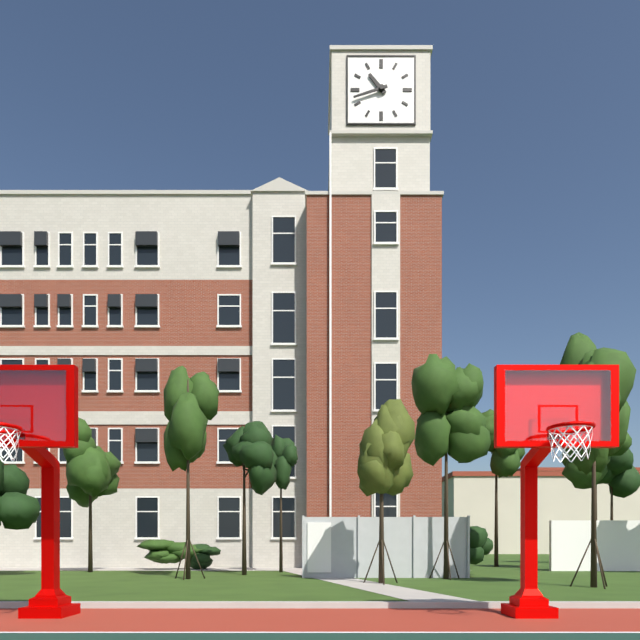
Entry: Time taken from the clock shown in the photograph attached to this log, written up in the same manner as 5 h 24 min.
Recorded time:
10 h 42 min
